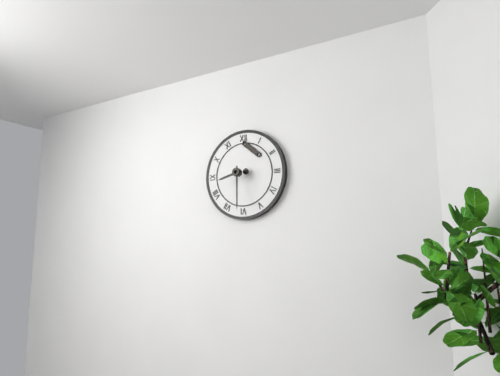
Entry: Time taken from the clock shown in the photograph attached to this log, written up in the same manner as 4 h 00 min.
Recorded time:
8 h 30 min
